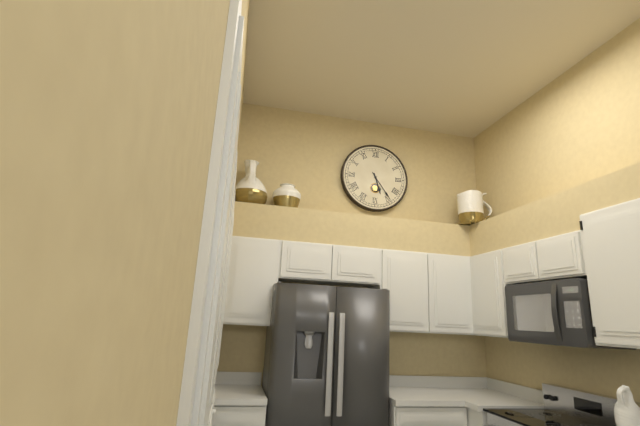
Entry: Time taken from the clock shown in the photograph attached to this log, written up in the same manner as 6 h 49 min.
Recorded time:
5 h 24 min
